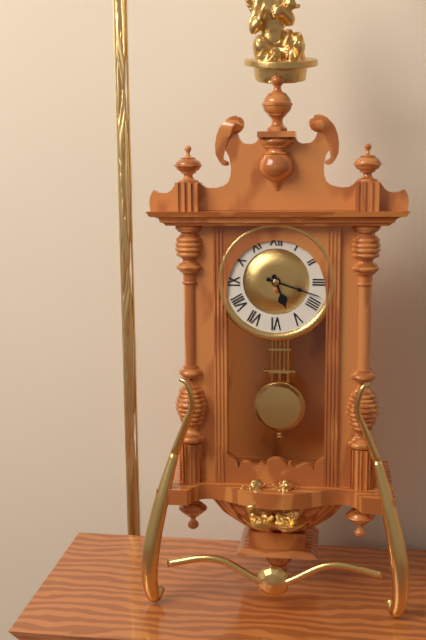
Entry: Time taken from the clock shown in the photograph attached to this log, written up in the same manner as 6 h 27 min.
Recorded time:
5 h 18 min
